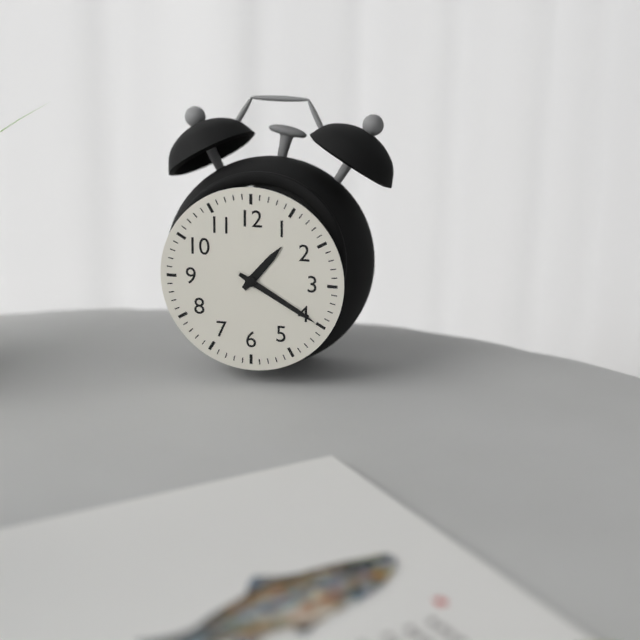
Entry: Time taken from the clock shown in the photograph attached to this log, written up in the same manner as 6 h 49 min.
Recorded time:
1 h 20 min
